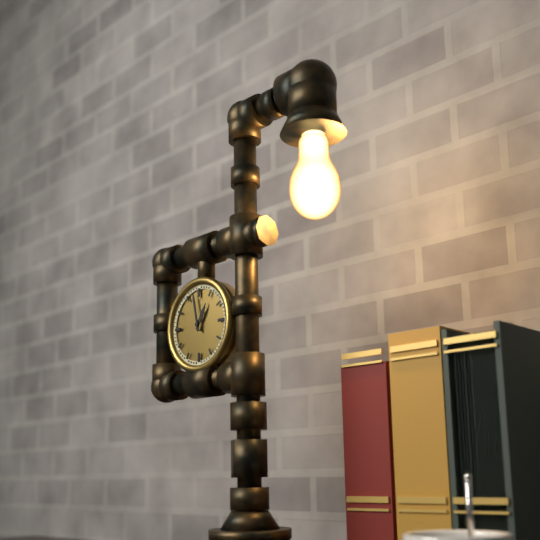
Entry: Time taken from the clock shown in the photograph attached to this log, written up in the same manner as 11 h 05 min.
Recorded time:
12 h 58 min
